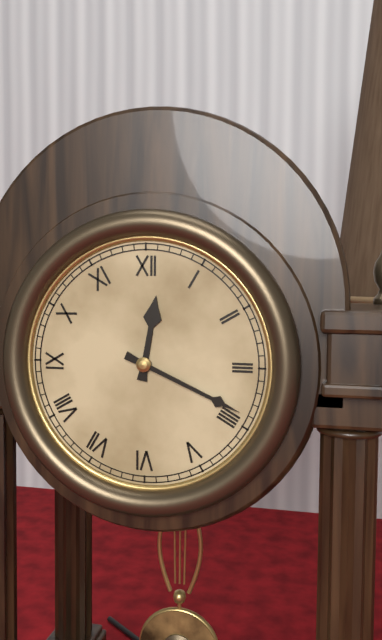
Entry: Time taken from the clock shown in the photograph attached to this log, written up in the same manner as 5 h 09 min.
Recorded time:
12 h 19 min
